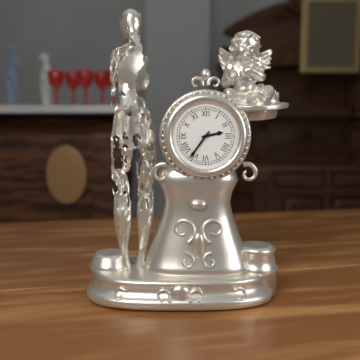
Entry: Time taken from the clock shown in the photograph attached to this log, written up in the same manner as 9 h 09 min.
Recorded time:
2 h 36 min
